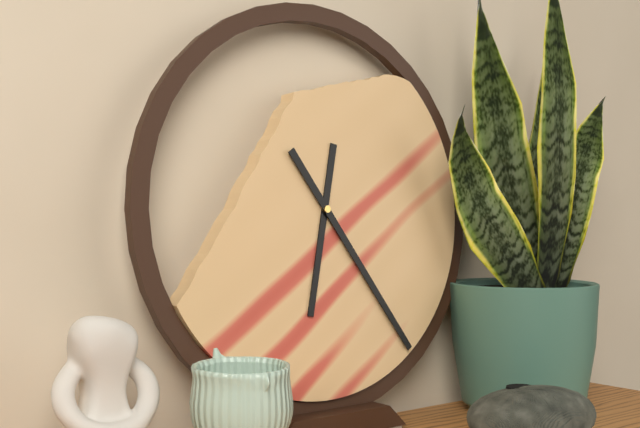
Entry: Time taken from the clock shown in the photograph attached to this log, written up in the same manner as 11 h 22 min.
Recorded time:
6 h 24 min
